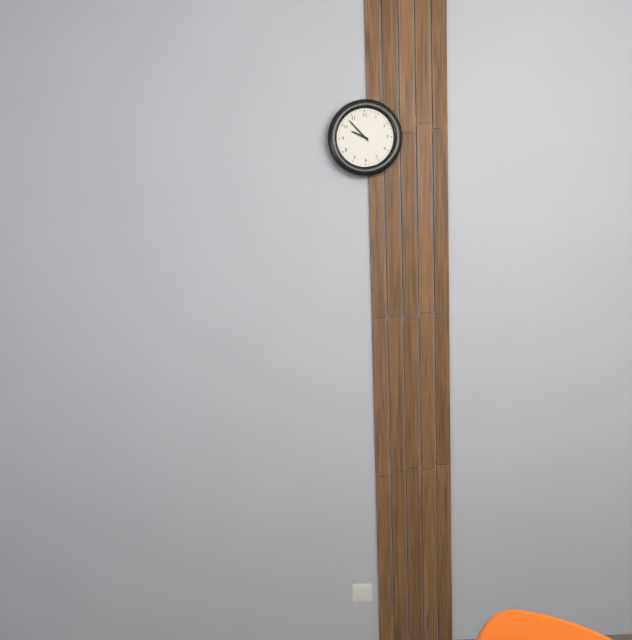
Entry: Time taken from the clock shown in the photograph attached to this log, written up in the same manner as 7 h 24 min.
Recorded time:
9 h 53 min
